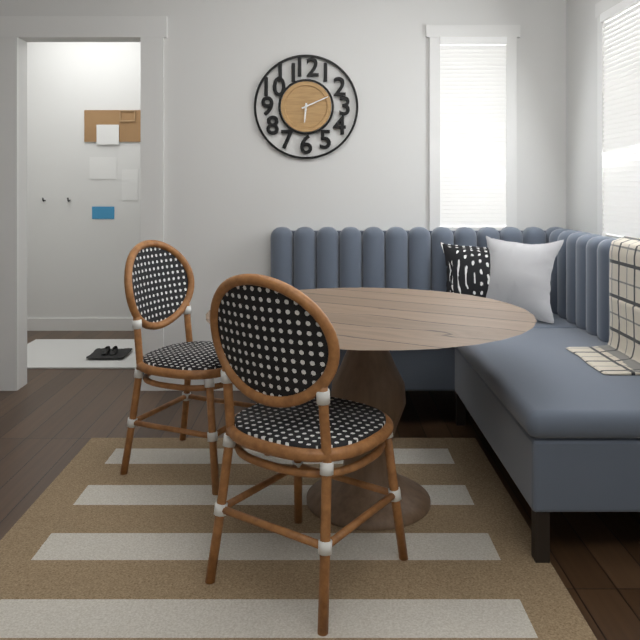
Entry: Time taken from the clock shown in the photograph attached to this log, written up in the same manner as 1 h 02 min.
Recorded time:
6 h 11 min
